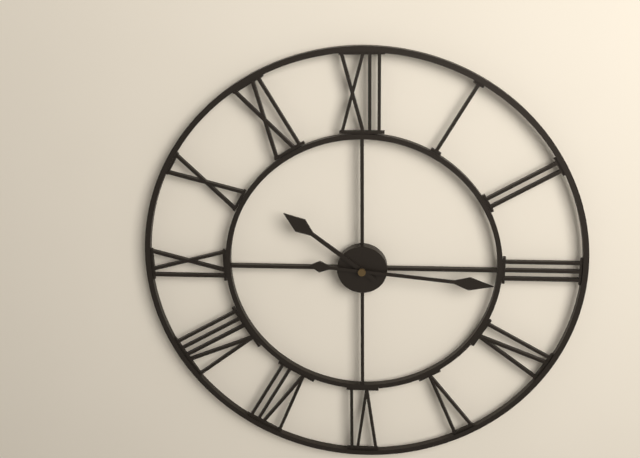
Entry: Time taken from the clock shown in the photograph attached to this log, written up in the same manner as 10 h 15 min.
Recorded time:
10 h 16 min
